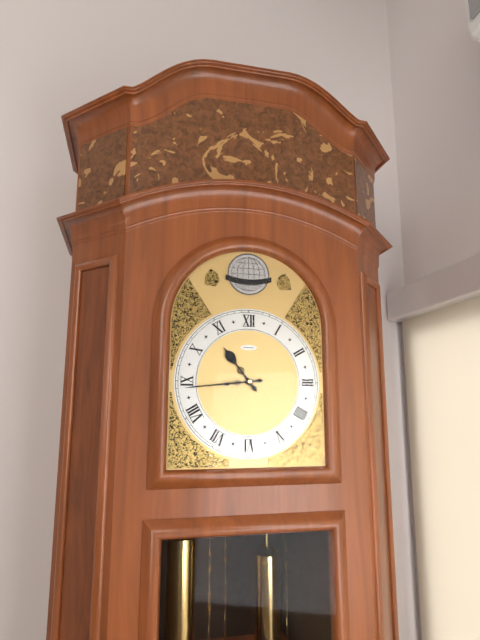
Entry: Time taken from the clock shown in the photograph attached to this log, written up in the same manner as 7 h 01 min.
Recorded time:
10 h 44 min
